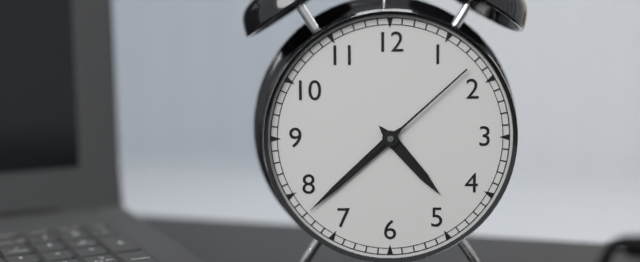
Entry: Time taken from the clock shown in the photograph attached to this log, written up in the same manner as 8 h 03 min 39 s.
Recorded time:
4 h 38 min 08 s
